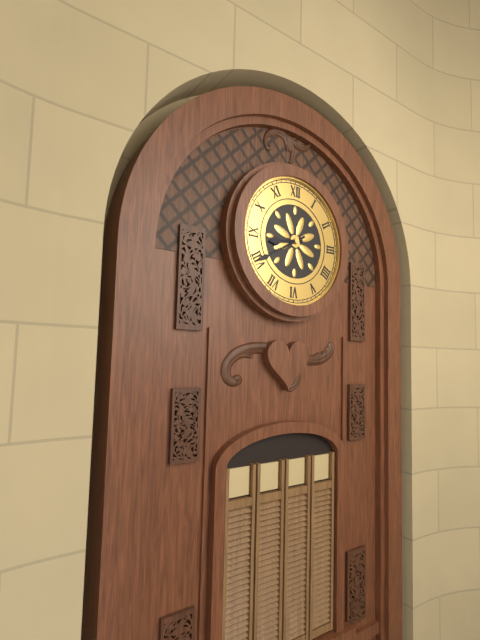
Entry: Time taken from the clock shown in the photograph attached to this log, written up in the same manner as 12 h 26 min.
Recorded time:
8 h 40 min
